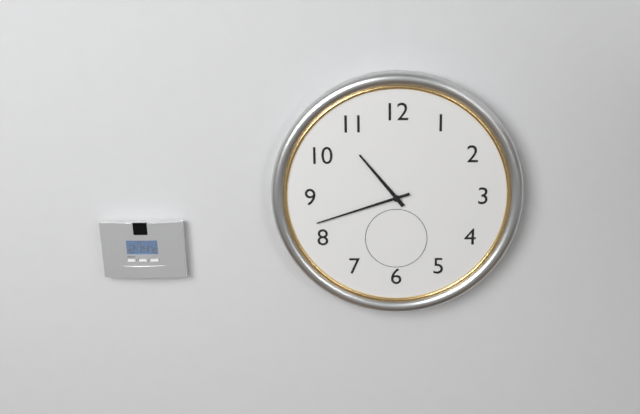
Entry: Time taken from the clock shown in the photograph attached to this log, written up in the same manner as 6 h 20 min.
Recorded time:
10 h 42 min
